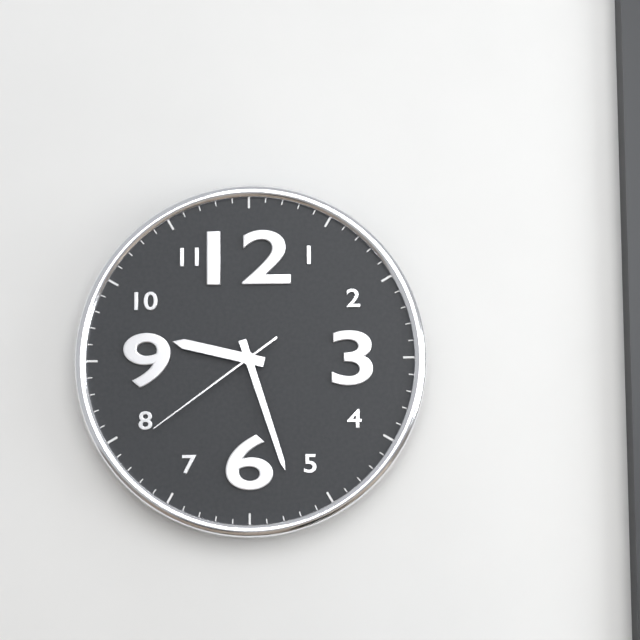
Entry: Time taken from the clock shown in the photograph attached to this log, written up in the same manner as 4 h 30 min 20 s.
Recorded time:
9 h 27 min 39 s
